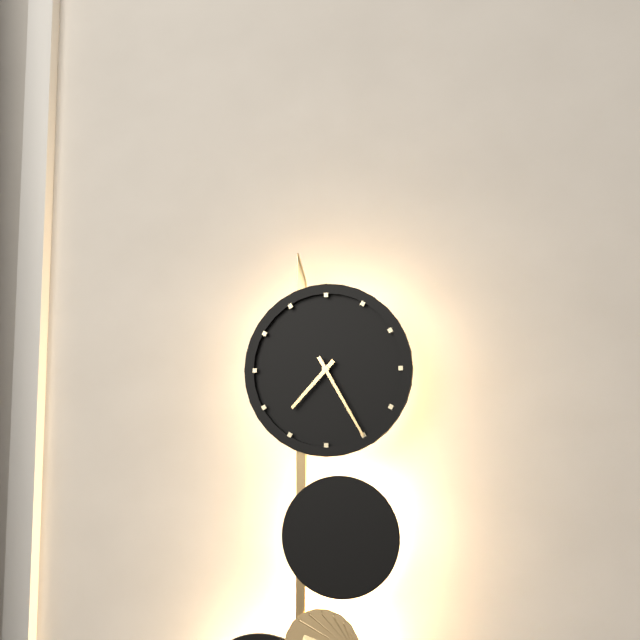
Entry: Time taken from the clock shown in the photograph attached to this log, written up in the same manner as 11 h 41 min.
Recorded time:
7 h 25 min
